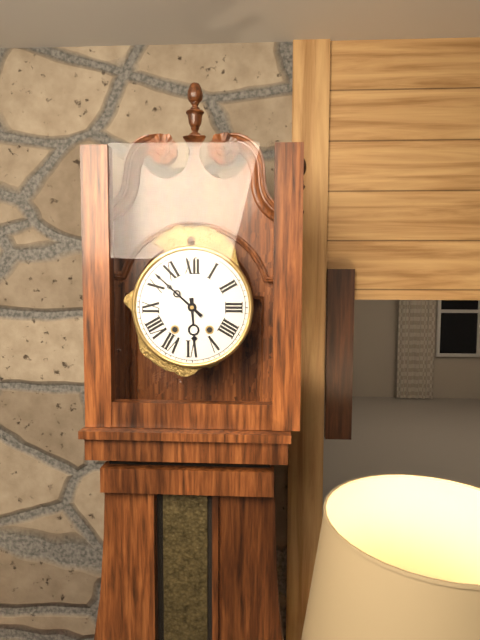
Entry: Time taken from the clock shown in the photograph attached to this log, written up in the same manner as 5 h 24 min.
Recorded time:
5 h 52 min
